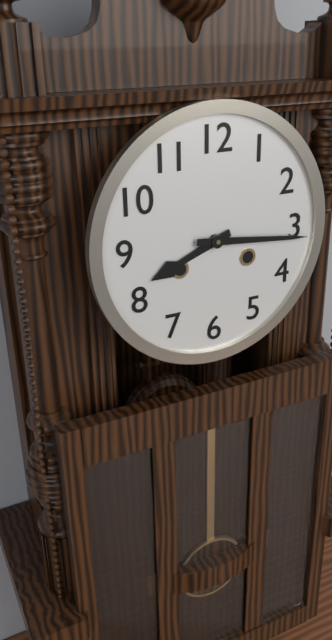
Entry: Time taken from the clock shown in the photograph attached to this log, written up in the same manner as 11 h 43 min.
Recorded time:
8 h 16 min
